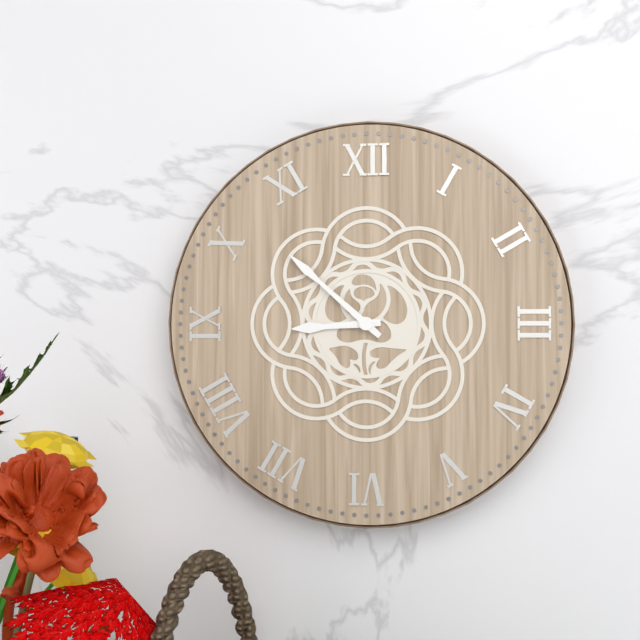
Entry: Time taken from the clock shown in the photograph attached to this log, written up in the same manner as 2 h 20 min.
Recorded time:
8 h 52 min
